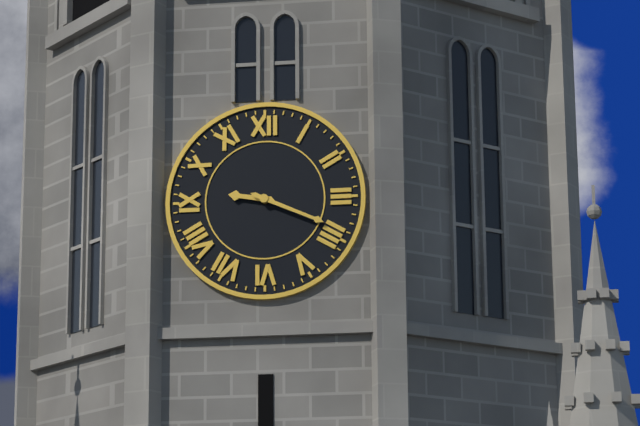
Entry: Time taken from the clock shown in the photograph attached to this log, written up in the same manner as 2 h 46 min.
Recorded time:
9 h 19 min
